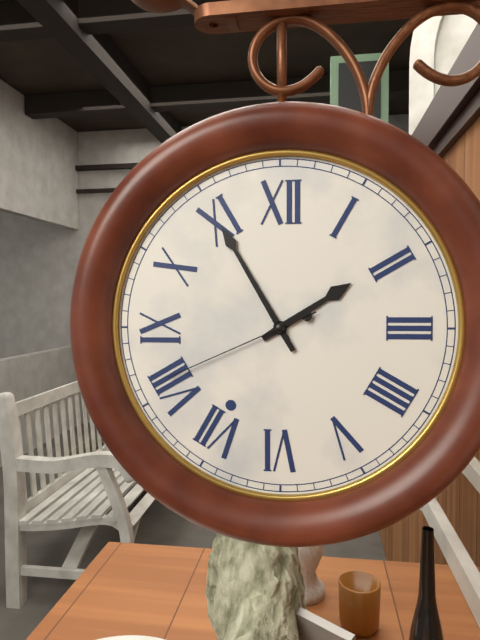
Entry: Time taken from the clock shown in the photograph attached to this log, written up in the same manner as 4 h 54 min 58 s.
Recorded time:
1 h 55 min 41 s
